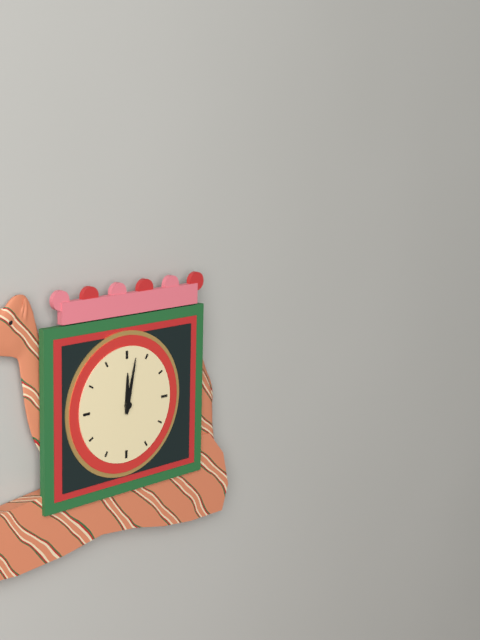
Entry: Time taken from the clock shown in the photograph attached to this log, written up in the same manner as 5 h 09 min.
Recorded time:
12 h 02 min
